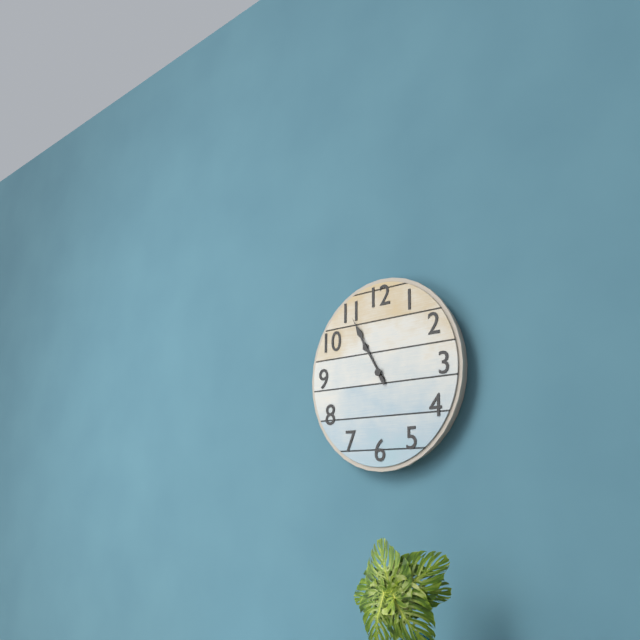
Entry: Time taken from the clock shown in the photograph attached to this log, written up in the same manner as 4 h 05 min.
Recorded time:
10 h 55 min
